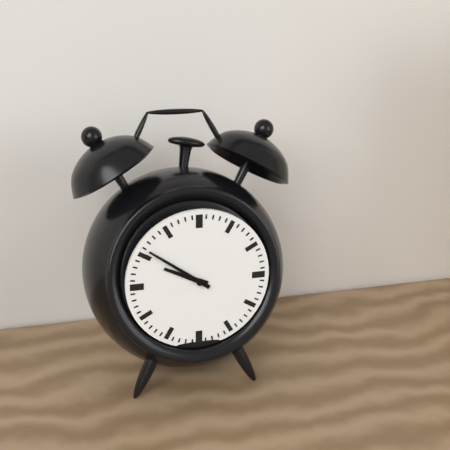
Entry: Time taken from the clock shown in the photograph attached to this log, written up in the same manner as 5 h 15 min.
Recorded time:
9 h 51 min
